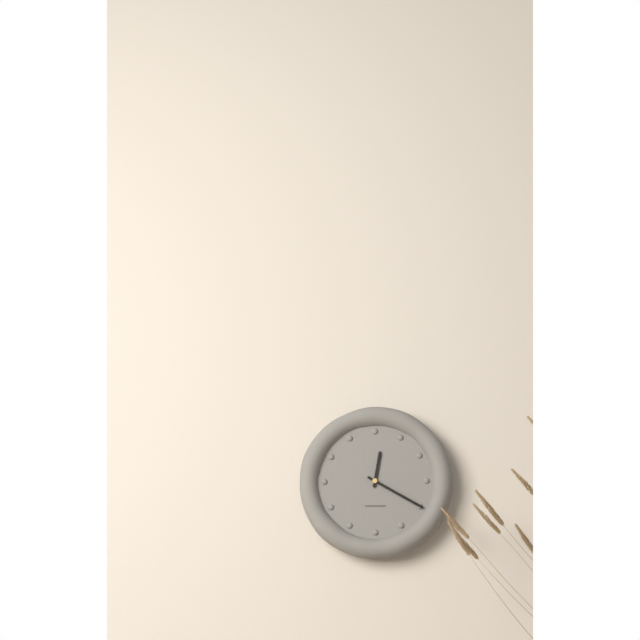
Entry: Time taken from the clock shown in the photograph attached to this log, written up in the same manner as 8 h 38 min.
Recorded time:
12 h 20 min
